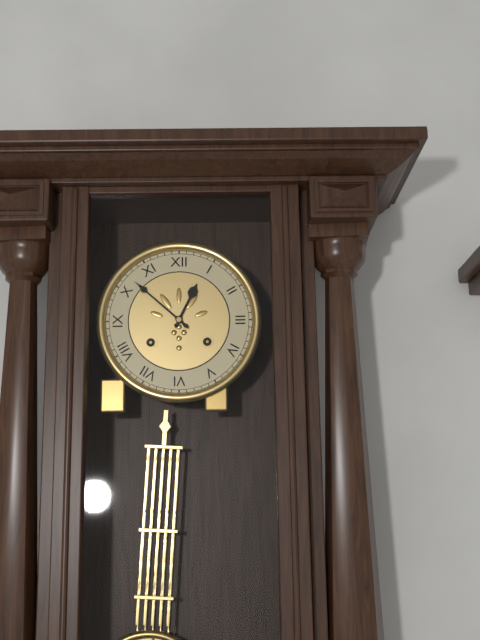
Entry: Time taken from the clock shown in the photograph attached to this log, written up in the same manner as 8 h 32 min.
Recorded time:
12 h 52 min
